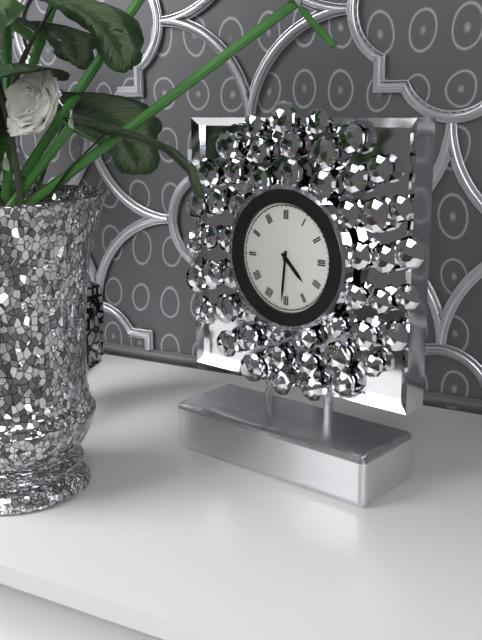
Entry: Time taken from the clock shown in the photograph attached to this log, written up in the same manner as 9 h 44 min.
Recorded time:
4 h 31 min
